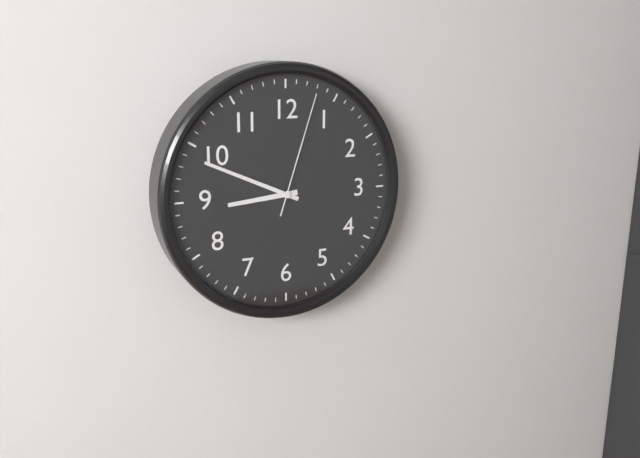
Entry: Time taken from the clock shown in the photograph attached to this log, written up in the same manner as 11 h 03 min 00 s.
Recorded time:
8 h 49 min 03 s
